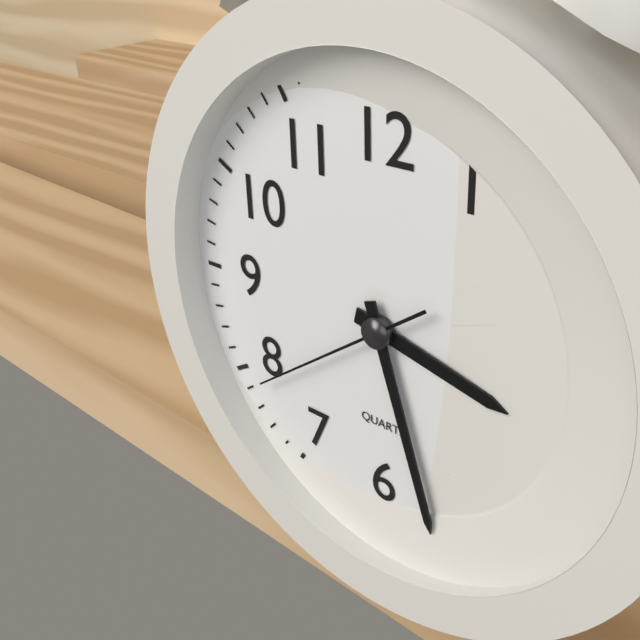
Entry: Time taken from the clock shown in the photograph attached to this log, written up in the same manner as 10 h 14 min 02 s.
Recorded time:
3 h 27 min 39 s
